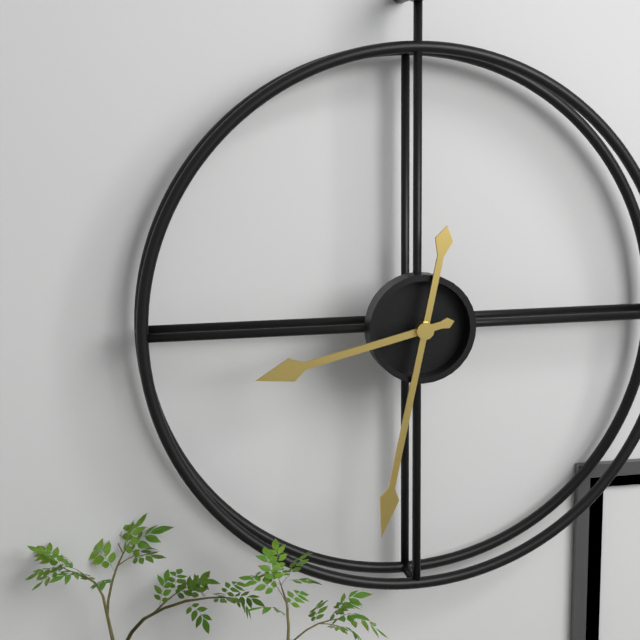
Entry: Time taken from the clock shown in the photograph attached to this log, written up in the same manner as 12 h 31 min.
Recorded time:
8 h 32 min
